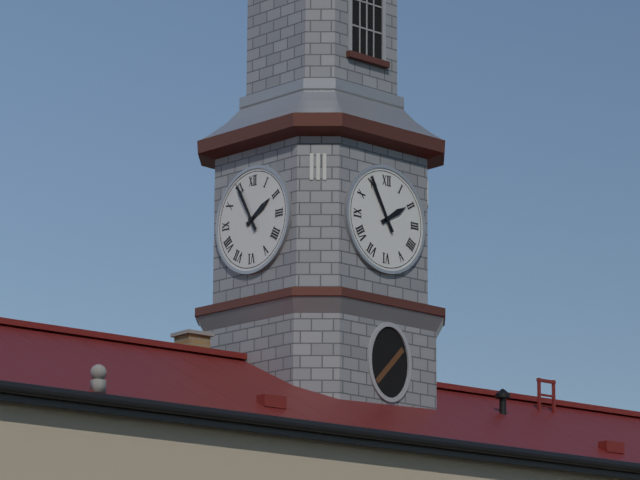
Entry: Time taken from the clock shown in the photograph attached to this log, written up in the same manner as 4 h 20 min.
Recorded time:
1 h 55 min
